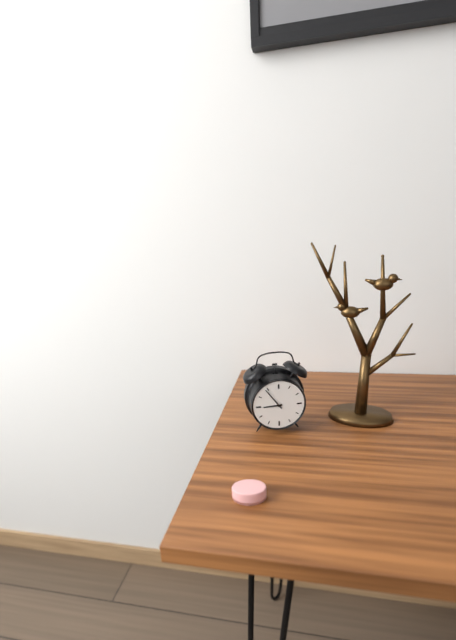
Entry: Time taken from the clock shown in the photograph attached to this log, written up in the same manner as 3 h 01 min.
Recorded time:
8 h 54 min
